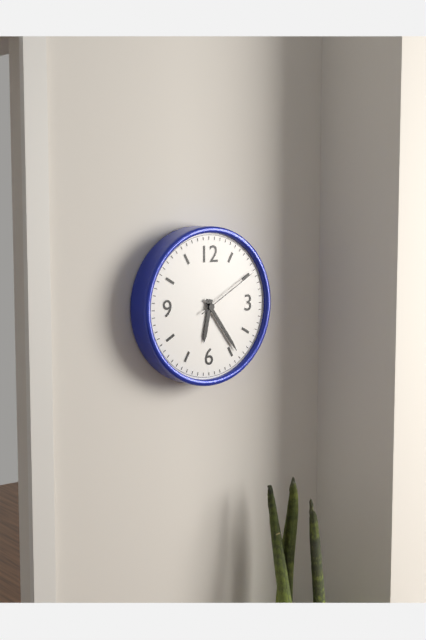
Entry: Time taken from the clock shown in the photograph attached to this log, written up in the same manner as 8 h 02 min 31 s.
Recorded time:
6 h 24 min 10 s
